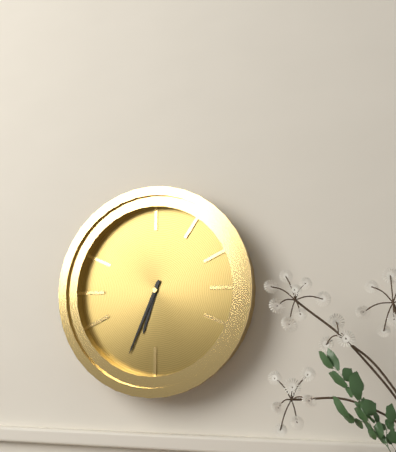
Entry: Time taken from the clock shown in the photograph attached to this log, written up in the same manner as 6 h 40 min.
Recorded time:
6 h 34 min
